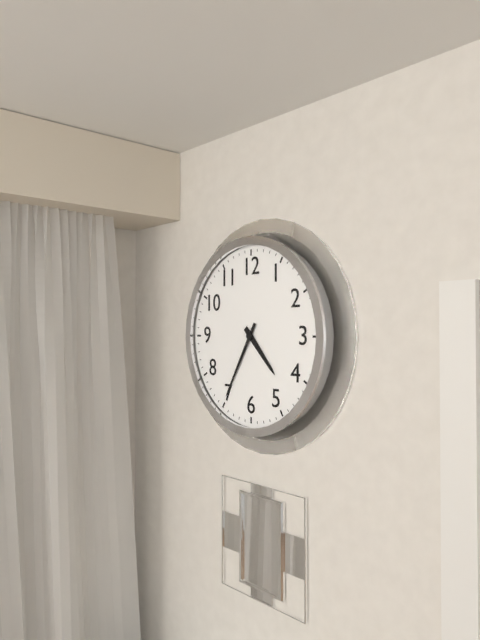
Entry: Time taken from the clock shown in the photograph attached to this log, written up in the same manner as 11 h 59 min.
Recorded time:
4 h 35 min
